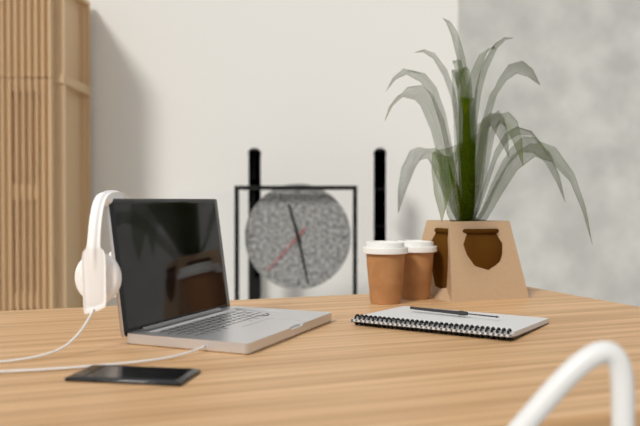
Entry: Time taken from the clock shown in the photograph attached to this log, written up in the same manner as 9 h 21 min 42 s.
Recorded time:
11 h 28 min 37 s
